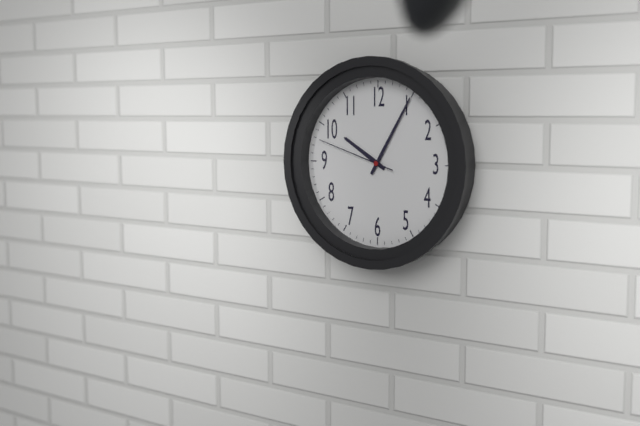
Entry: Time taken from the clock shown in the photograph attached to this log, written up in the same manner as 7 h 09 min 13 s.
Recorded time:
10 h 05 min 48 s
